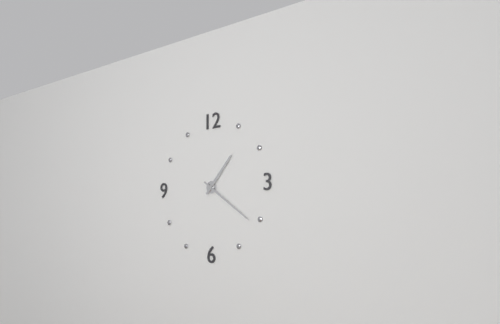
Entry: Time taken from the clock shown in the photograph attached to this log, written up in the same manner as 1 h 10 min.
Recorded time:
1 h 21 min
